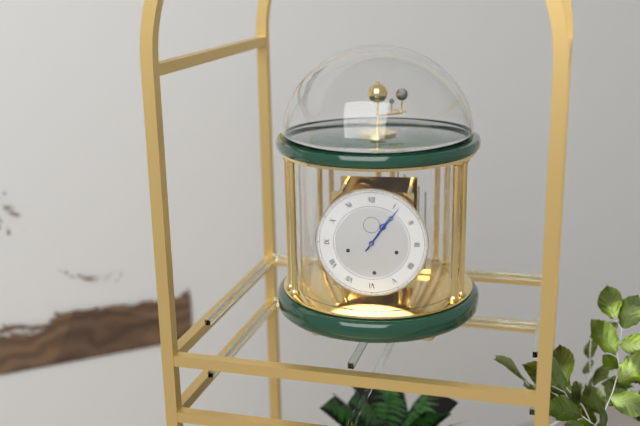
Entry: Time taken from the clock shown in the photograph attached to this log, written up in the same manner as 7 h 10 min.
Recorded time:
1 h 06 min
